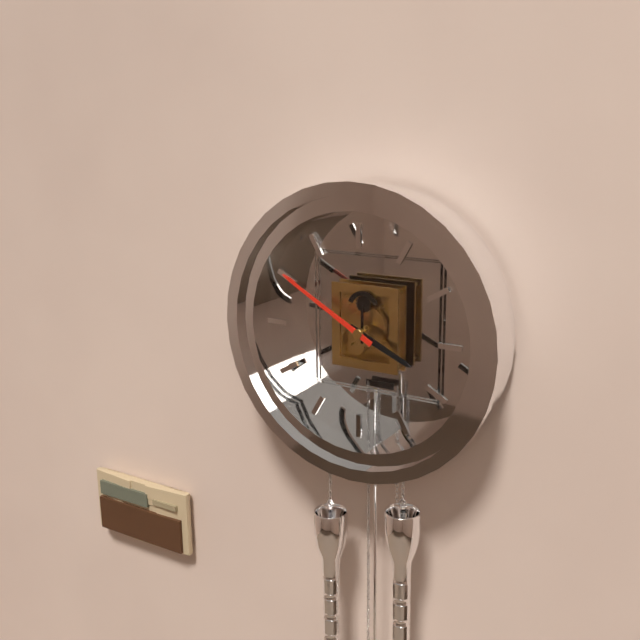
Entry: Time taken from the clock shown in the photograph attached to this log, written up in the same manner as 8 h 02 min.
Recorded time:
3 h 50 min
